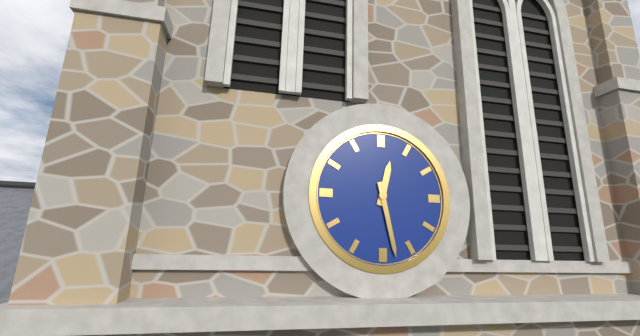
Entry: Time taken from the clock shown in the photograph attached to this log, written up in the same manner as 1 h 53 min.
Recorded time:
12 h 28 min
